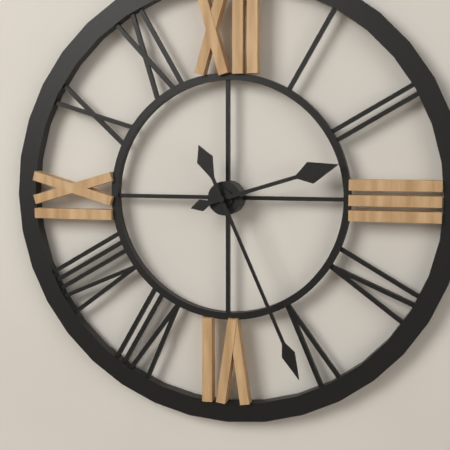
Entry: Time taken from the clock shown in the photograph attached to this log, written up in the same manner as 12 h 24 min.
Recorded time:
2 h 26 min
